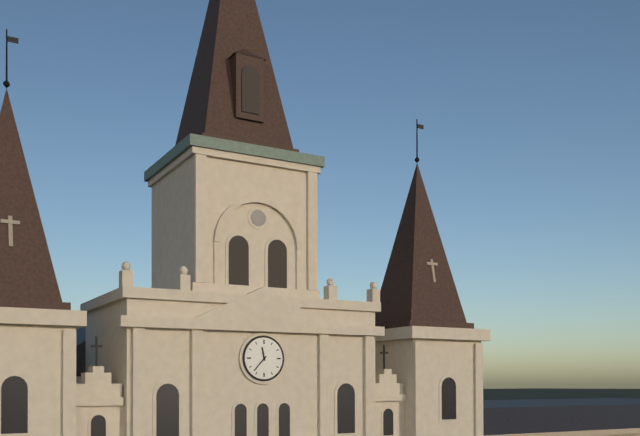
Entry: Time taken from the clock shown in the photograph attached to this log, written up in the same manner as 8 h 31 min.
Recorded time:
11 h 37 min
